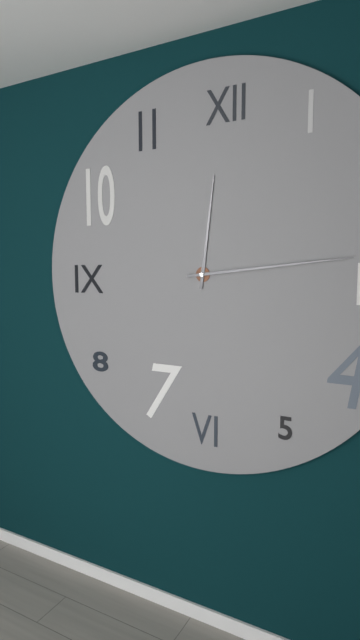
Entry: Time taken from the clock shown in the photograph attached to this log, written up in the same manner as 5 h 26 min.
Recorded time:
12 h 14 min
